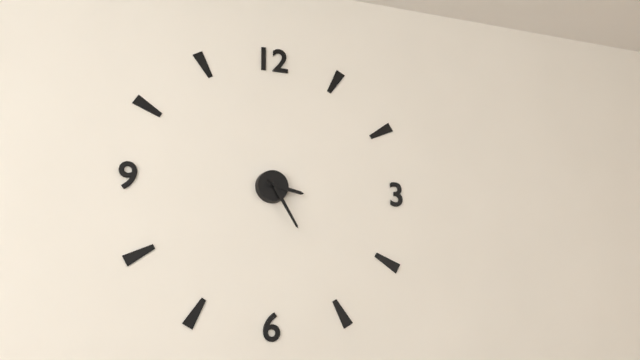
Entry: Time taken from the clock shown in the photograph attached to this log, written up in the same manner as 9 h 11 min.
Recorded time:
3 h 25 min
